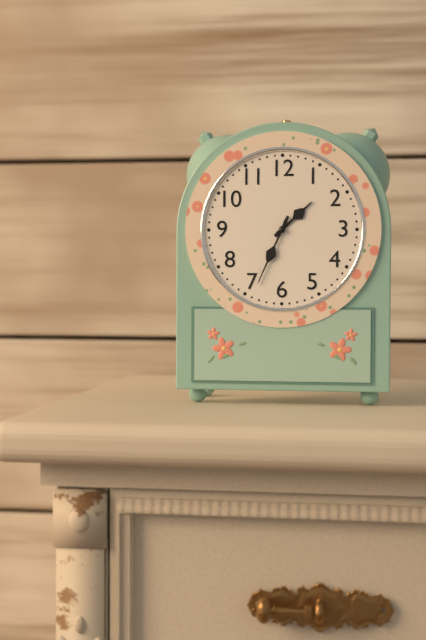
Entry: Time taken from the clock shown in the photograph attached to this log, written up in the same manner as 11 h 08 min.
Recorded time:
1 h 34 min
